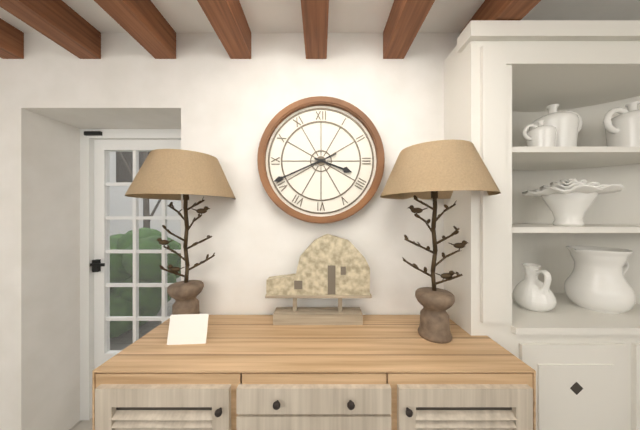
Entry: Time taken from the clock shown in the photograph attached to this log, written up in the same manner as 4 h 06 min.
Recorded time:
3 h 41 min
